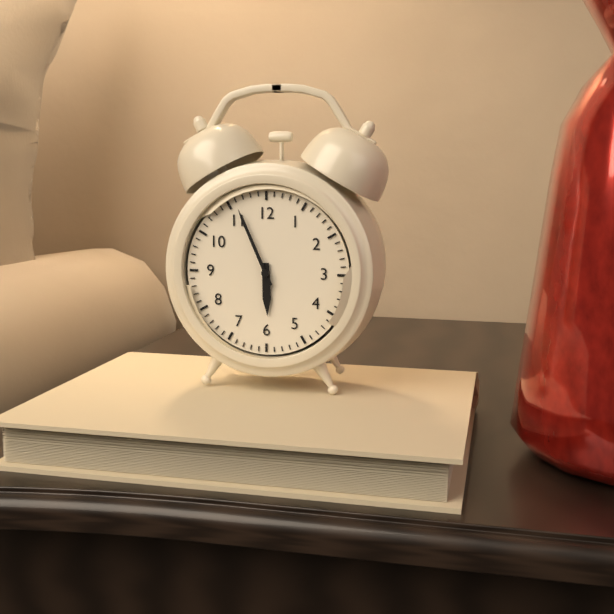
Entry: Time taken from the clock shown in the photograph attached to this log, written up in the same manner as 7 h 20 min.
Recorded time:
5 h 56 min
